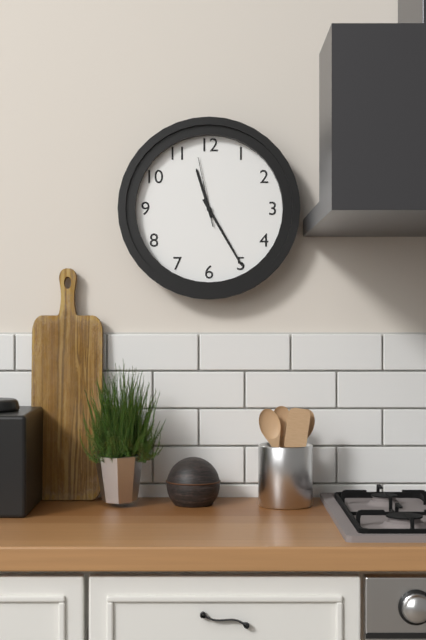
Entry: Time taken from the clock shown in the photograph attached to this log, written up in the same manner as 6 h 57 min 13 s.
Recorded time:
11 h 25 min 58 s
